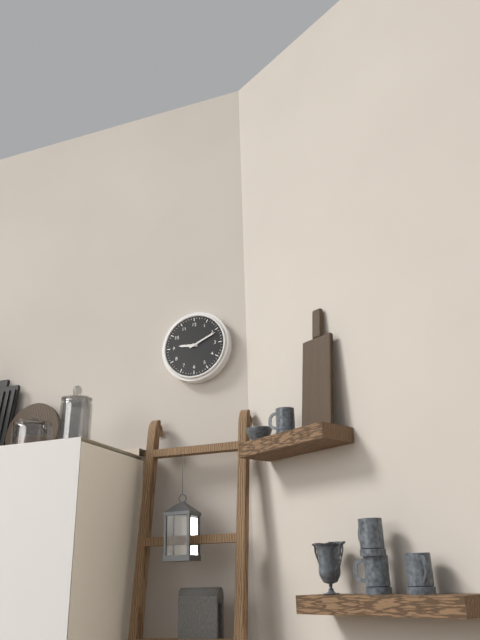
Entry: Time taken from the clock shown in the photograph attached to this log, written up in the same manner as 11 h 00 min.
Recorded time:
9 h 11 min
